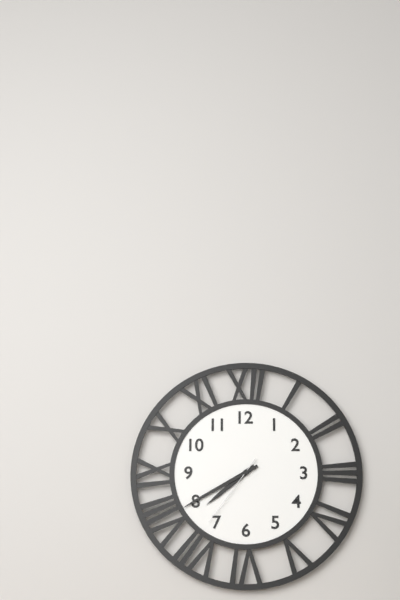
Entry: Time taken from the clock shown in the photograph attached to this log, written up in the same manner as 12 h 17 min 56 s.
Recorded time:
7 h 40 min 36 s
